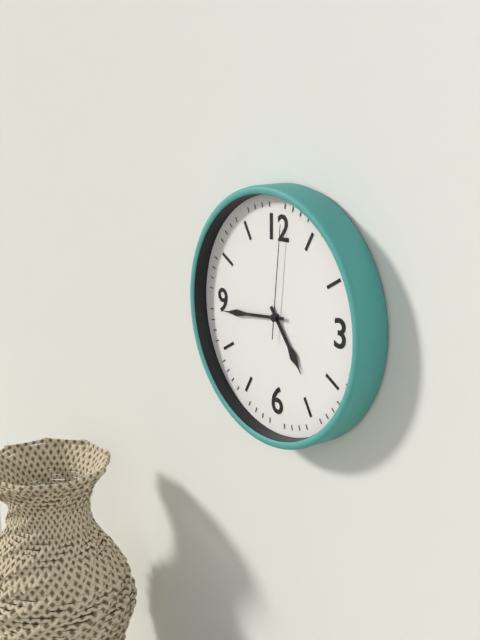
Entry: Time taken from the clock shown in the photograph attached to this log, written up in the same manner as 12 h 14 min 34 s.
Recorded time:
4 h 44 min 01 s
